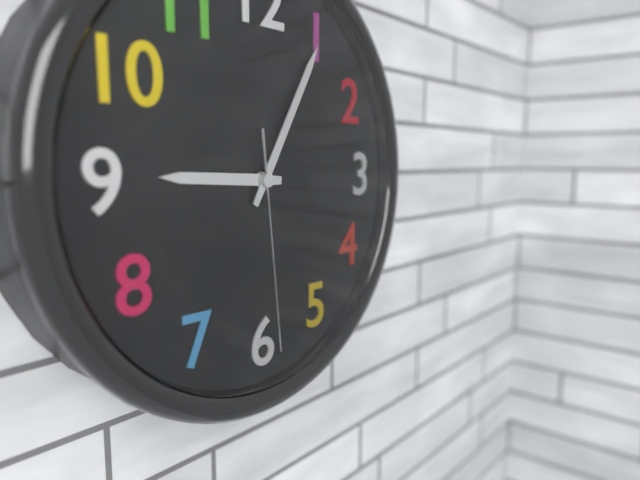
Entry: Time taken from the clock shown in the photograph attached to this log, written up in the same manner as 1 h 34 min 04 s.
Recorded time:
9 h 05 min 29 s
